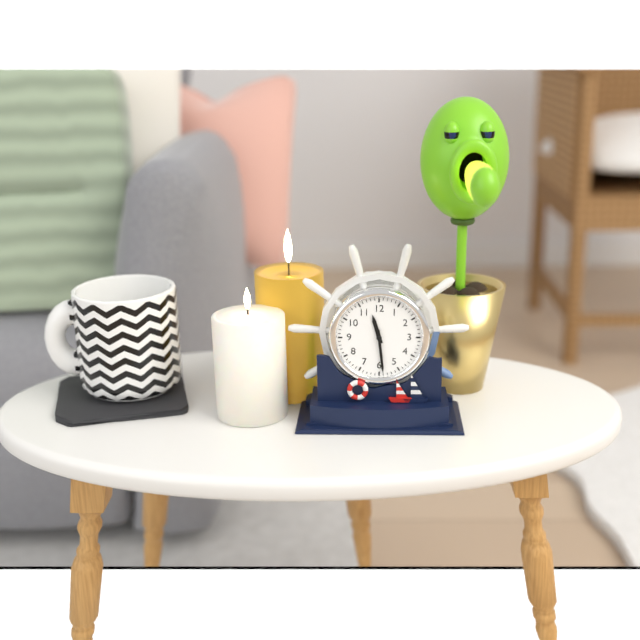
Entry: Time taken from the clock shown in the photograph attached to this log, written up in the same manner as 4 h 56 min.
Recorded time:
11 h 29 min
